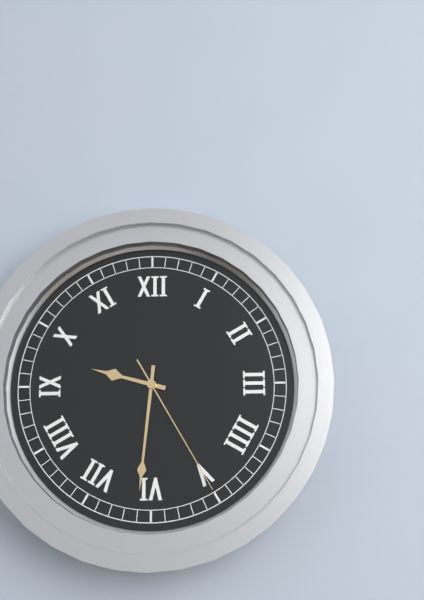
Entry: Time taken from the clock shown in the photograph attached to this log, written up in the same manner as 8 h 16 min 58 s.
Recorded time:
9 h 31 min 25 s
